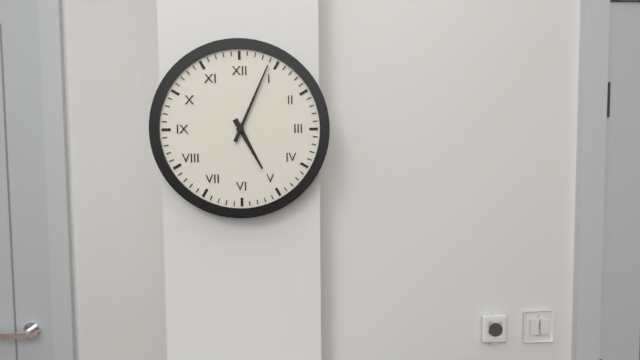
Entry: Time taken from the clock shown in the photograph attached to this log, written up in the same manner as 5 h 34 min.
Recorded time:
5 h 04 min
